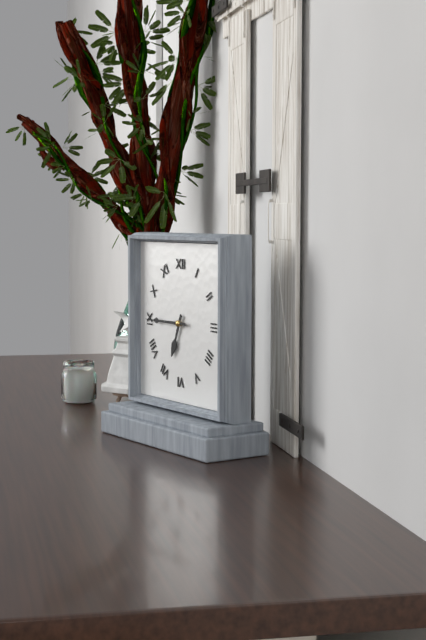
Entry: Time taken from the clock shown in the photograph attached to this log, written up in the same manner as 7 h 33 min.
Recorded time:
6 h 45 min
